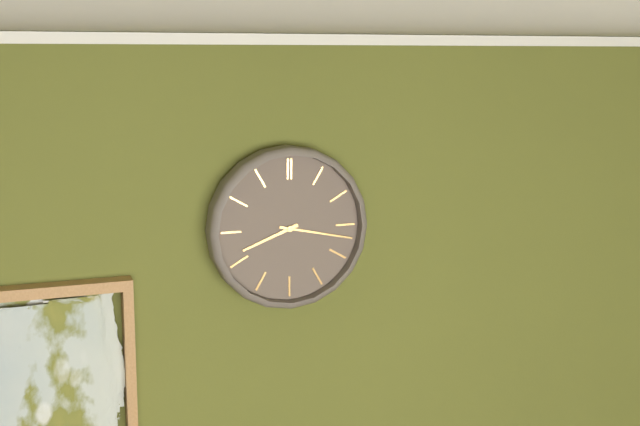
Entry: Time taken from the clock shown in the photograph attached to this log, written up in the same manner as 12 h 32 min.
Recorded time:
8 h 17 min
